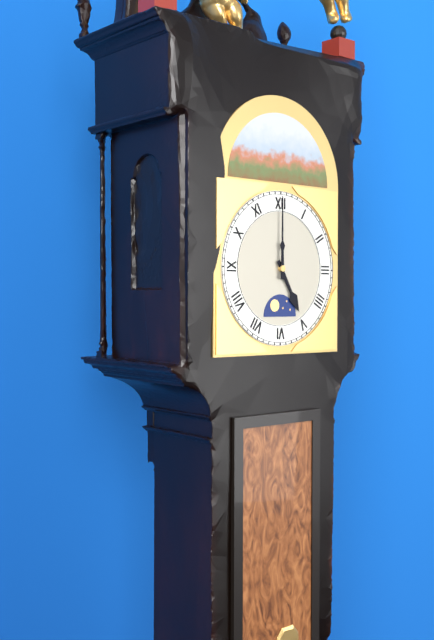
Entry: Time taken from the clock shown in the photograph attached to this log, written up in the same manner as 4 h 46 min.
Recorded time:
5 h 00 min
